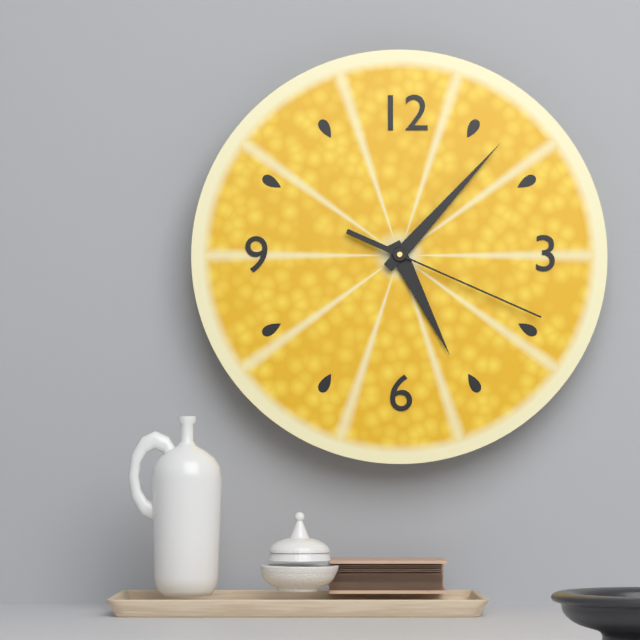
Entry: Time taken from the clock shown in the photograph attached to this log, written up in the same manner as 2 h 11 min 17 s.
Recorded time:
5 h 07 min 19 s
